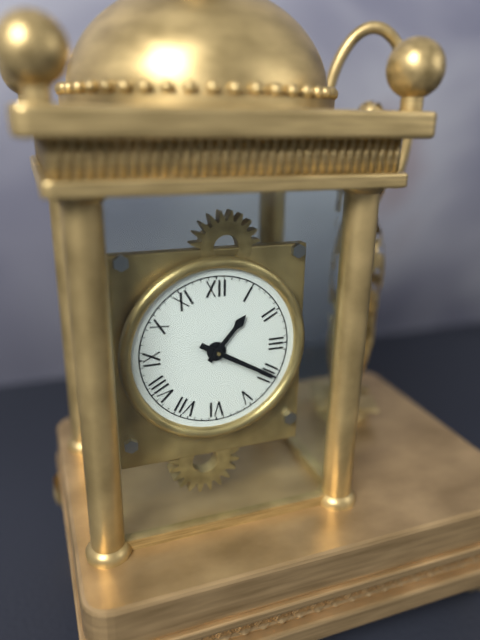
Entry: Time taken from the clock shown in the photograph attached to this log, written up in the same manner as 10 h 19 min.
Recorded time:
1 h 20 min
